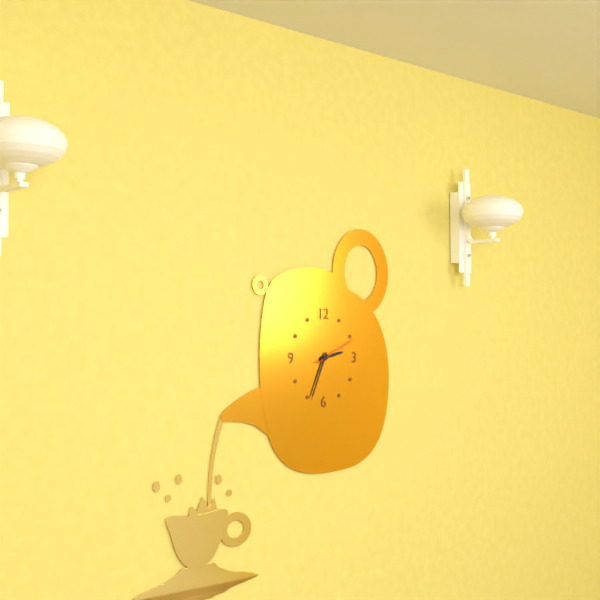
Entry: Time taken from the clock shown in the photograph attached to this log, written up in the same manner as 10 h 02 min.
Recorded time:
2 h 34 min
